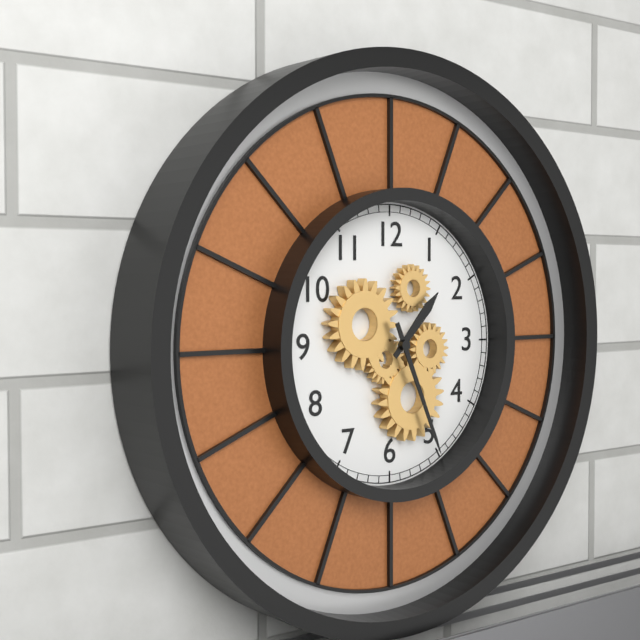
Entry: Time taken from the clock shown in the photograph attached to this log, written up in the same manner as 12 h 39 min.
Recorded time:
1 h 26 min
